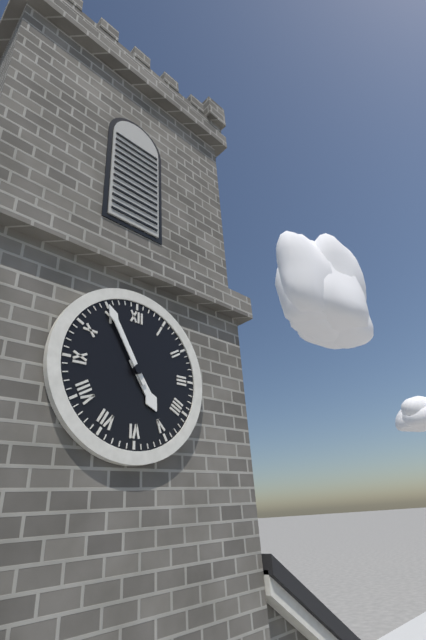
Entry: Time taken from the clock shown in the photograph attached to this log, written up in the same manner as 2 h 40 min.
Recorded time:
4 h 55 min
